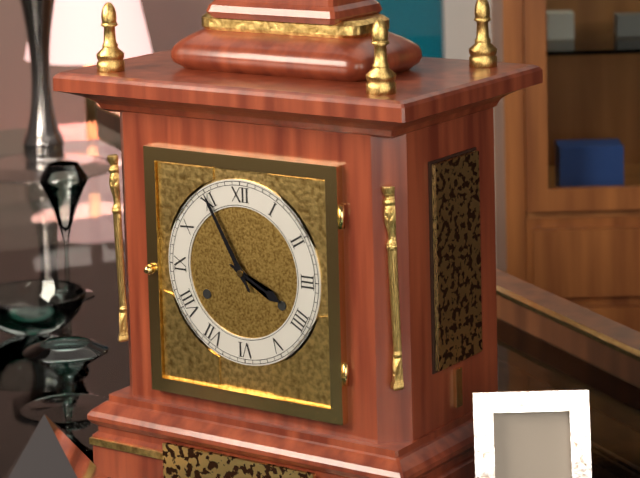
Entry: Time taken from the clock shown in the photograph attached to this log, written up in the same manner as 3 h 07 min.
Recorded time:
3 h 55 min
